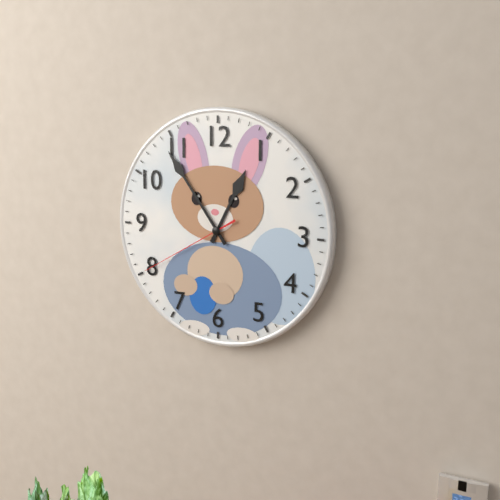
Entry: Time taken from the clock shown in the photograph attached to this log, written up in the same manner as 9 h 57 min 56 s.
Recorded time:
12 h 54 min 40 s
